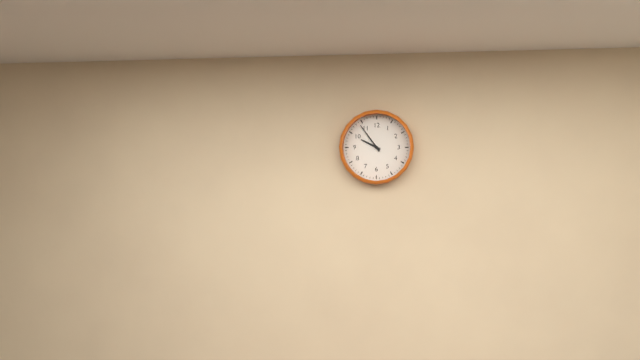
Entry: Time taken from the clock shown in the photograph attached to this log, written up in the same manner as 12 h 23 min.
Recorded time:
9 h 54 min
